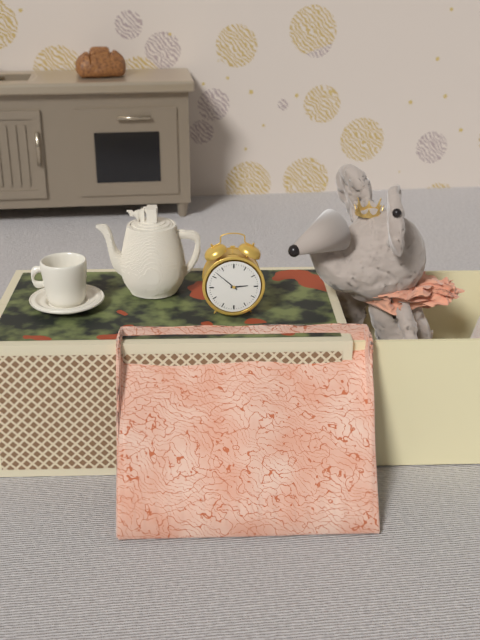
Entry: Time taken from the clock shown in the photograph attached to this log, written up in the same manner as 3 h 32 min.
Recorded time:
2 h 52 min
